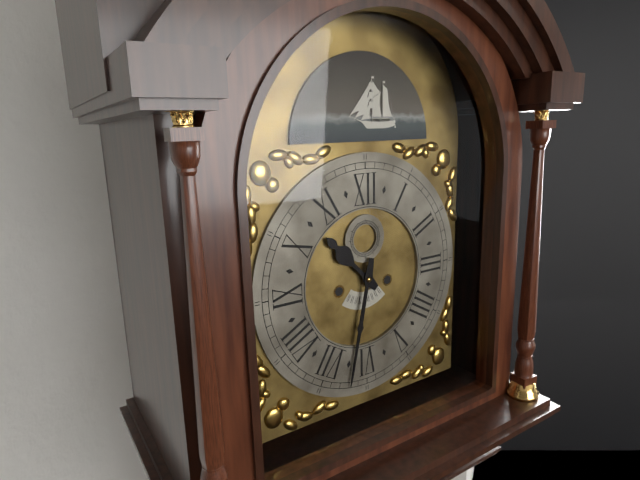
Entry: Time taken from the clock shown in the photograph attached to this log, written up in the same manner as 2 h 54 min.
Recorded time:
10 h 32 min
